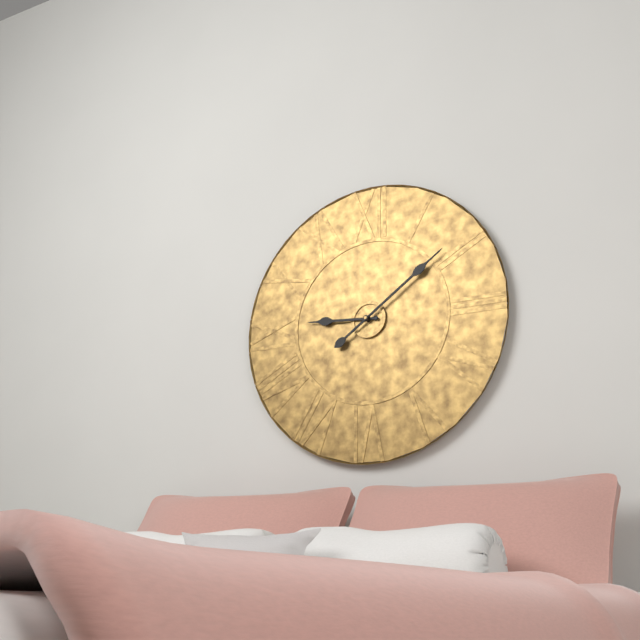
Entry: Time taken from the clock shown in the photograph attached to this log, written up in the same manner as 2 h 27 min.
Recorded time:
9 h 09 min
